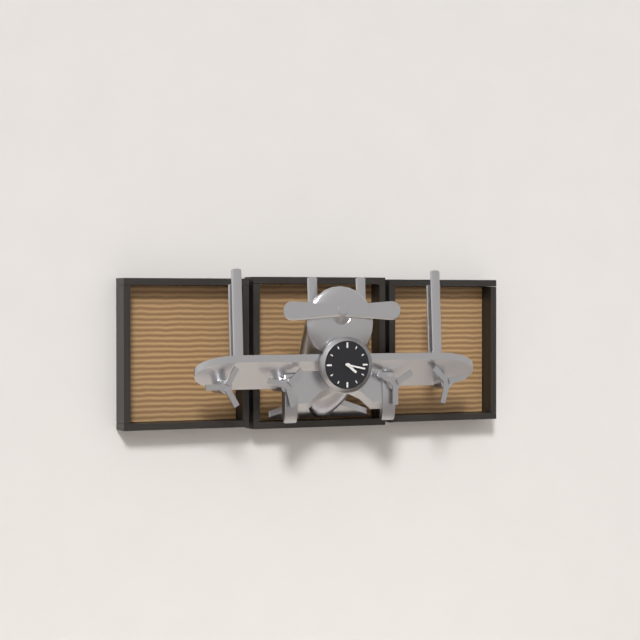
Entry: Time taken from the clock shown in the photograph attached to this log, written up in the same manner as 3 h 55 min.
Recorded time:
4 h 17 min
